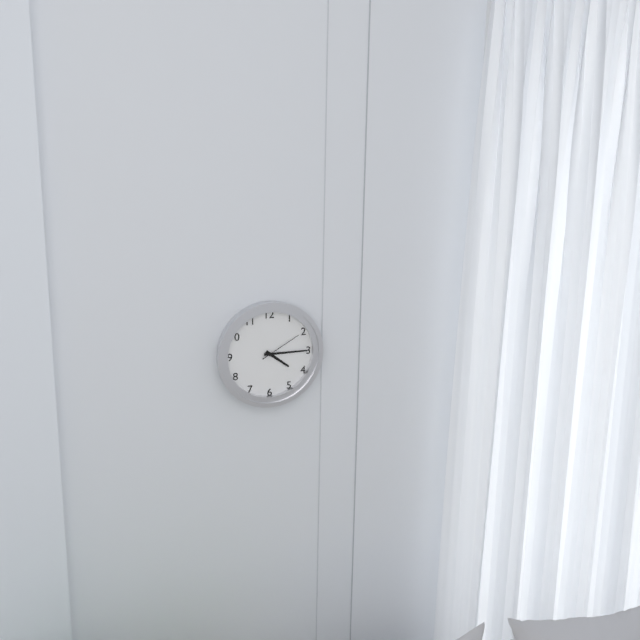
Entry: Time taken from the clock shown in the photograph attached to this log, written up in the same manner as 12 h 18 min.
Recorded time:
4 h 15 min
